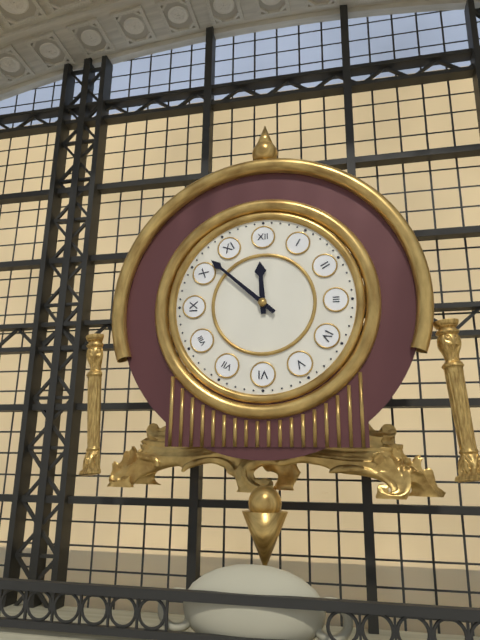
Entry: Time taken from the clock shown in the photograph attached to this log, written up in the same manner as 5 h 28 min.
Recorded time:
11 h 52 min
